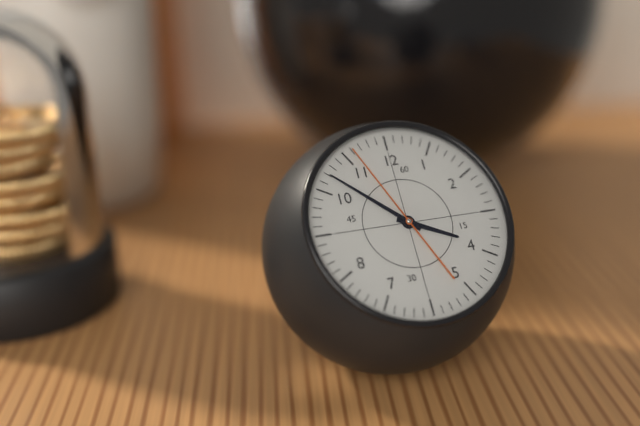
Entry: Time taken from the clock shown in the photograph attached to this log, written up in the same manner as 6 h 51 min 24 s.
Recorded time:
3 h 52 min 56 s
